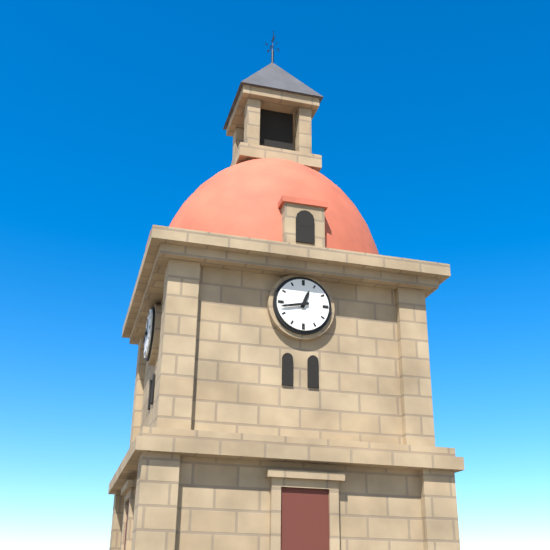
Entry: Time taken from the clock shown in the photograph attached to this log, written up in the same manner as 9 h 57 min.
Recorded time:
12 h 43 min
